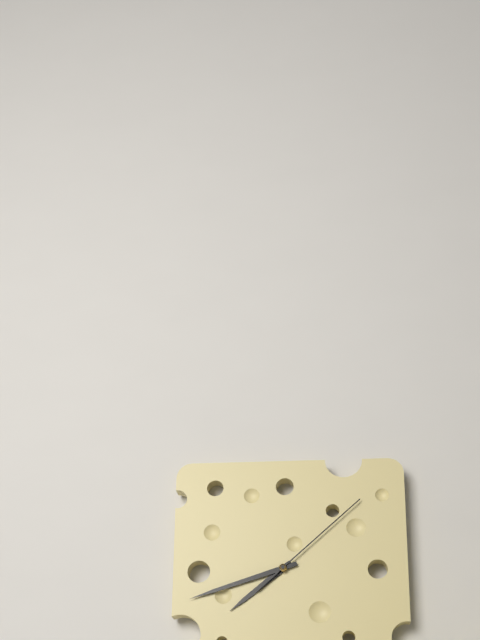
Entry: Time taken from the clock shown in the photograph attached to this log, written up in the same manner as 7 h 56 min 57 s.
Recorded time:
7 h 42 min 08 s
